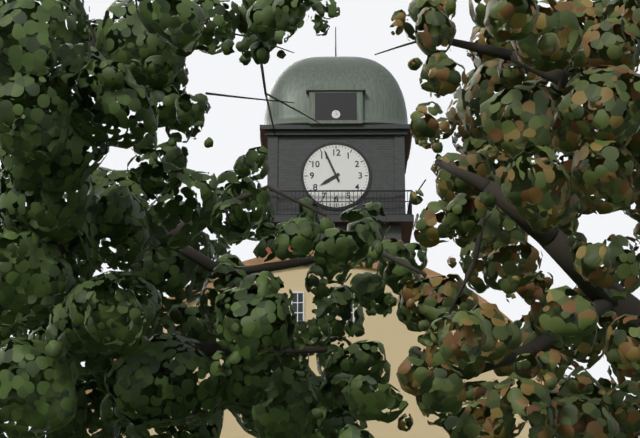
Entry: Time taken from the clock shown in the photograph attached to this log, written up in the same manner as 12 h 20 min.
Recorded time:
7 h 56 min
